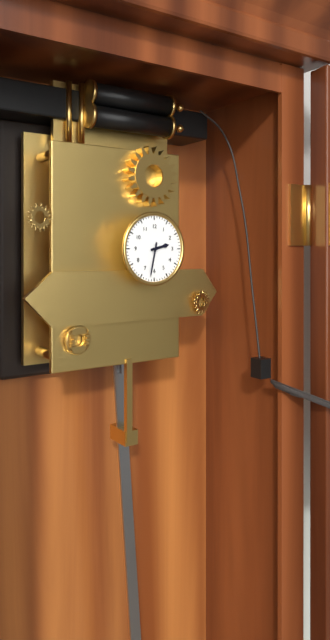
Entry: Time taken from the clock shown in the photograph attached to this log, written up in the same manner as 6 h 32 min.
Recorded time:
2 h 32 min
